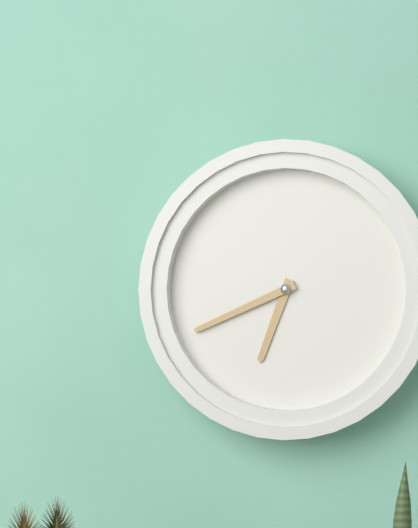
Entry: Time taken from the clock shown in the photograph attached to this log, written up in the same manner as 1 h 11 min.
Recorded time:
6 h 41 min
